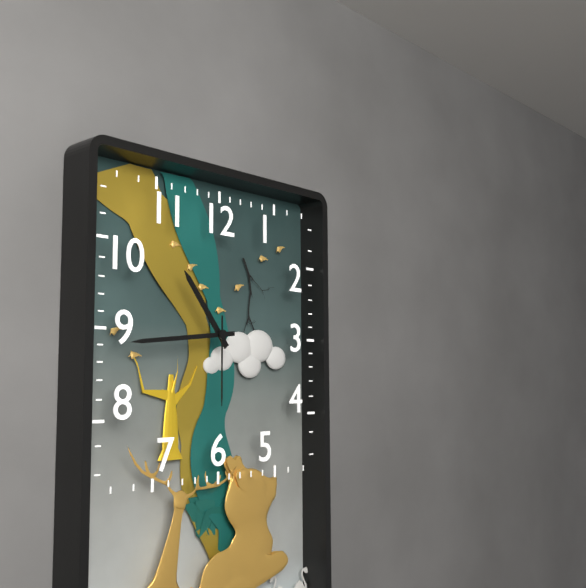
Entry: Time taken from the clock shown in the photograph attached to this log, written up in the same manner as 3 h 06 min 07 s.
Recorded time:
10 h 44 min 30 s
